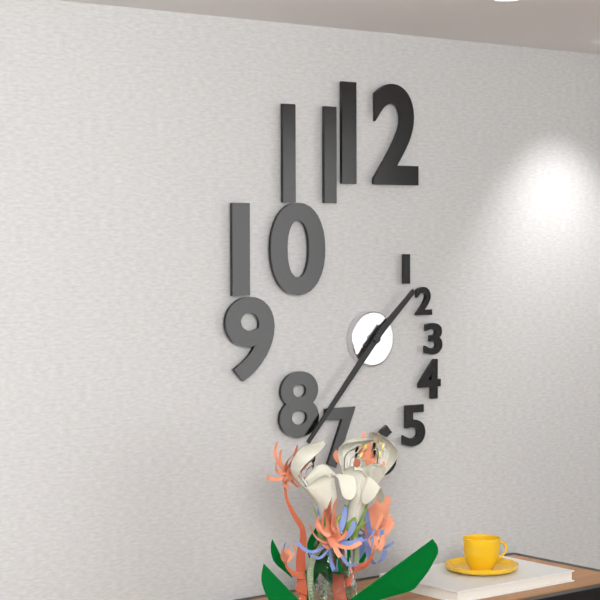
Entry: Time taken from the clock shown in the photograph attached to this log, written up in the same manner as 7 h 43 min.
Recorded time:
1 h 37 min
